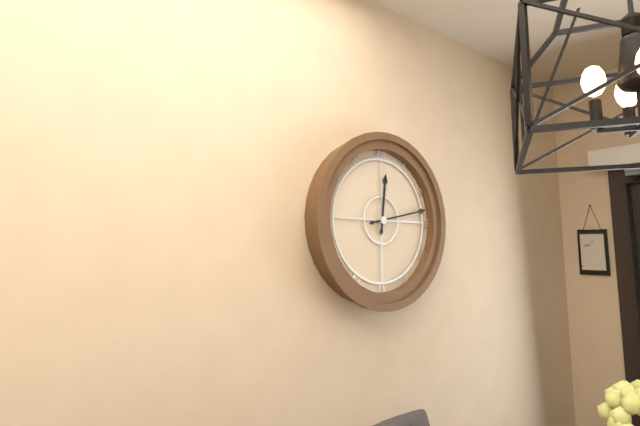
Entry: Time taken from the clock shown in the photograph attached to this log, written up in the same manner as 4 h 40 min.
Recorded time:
12 h 13 min
